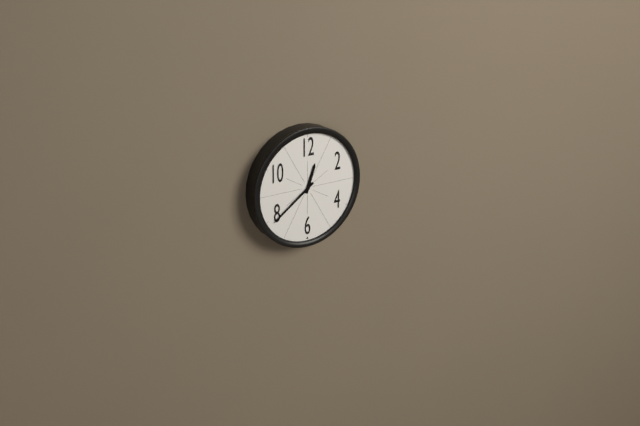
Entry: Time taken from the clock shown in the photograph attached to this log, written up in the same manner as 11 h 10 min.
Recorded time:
12 h 39 min
